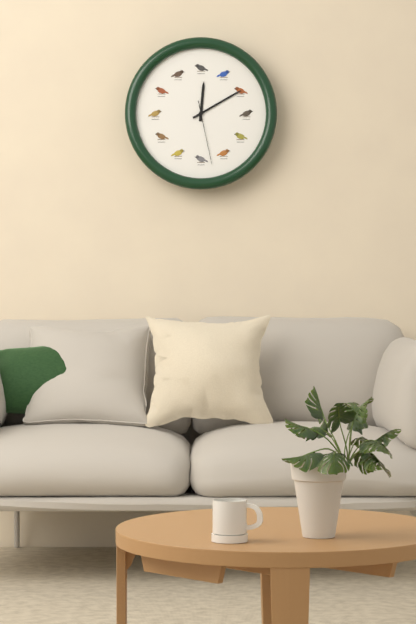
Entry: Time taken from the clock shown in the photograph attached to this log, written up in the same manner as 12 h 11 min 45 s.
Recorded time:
12 h 10 min 28 s
